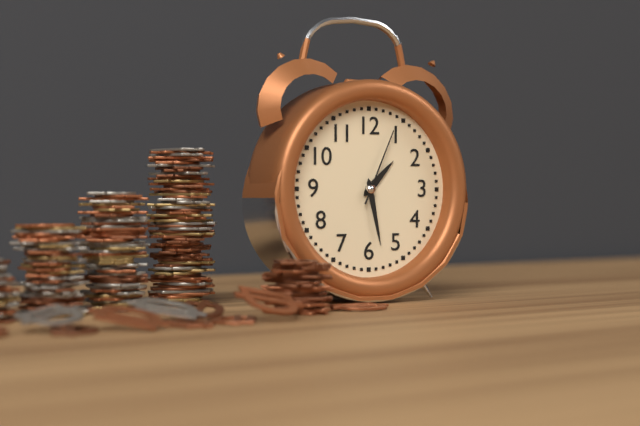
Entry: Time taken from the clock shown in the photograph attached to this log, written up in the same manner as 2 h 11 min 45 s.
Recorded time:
1 h 28 min 04 s
